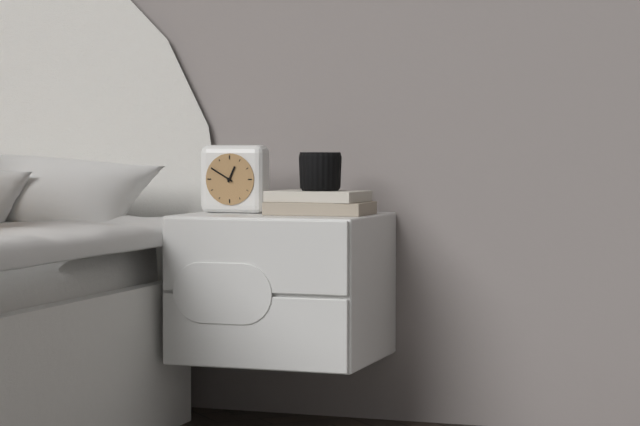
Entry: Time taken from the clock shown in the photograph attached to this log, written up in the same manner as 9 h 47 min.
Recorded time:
12 h 50 min
